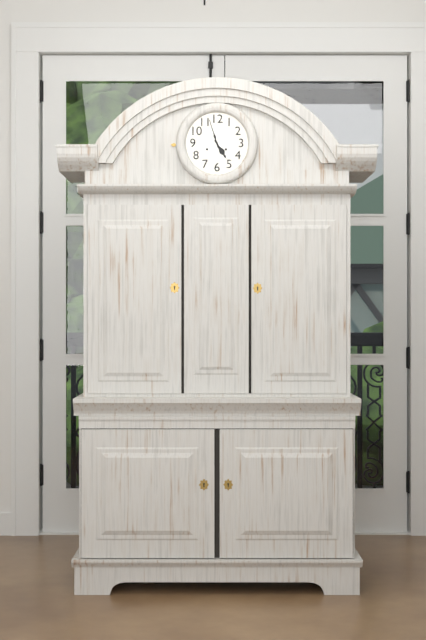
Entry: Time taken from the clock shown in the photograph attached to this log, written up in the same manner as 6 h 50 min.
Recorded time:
4 h 57 min
